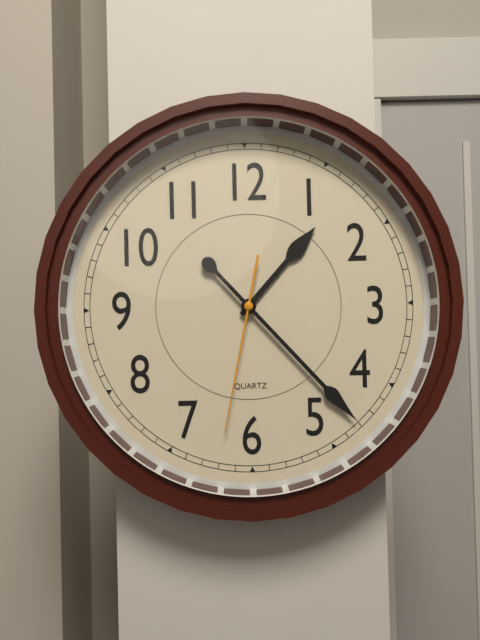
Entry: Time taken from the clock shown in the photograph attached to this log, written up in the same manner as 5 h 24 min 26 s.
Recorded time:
1 h 23 min 32 s
